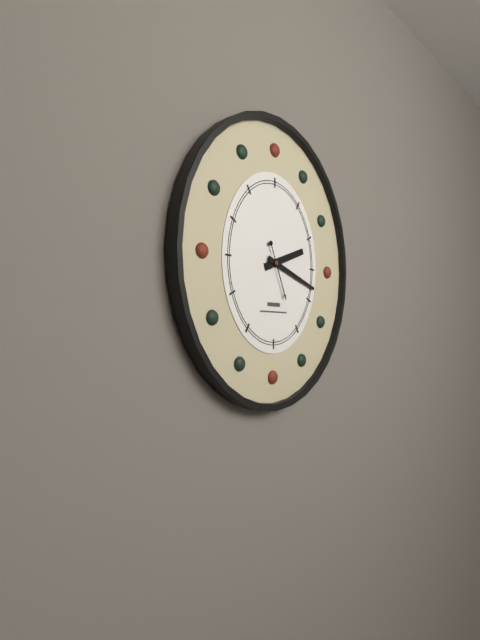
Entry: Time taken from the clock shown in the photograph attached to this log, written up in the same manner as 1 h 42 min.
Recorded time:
2 h 18 min
